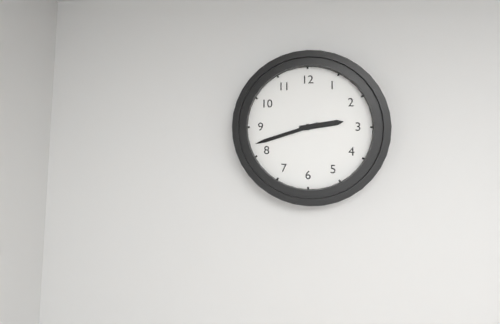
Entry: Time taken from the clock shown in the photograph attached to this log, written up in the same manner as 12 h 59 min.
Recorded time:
2 h 42 min
